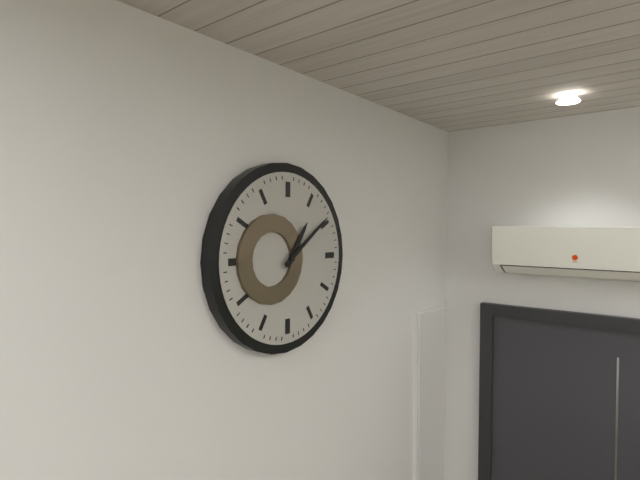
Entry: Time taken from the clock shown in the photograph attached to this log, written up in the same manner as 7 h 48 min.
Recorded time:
1 h 09 min
